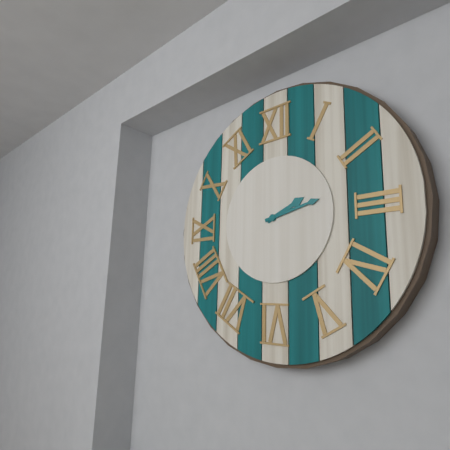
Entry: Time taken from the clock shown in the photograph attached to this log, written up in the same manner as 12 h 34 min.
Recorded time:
2 h 13 min
